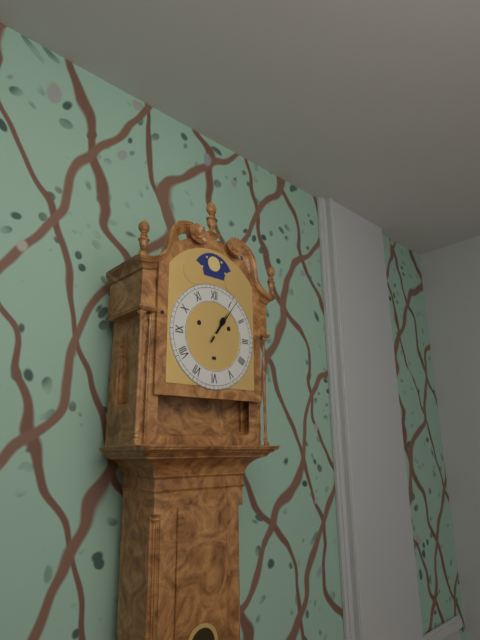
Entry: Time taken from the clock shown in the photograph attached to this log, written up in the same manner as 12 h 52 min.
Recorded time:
1 h 06 min
